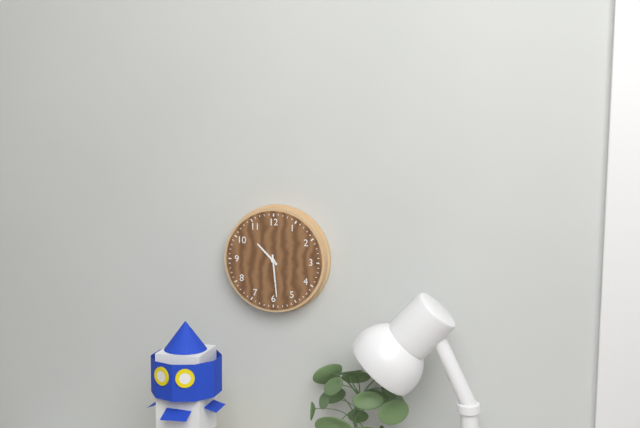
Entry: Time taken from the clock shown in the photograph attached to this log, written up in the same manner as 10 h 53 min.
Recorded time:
10 h 29 min
